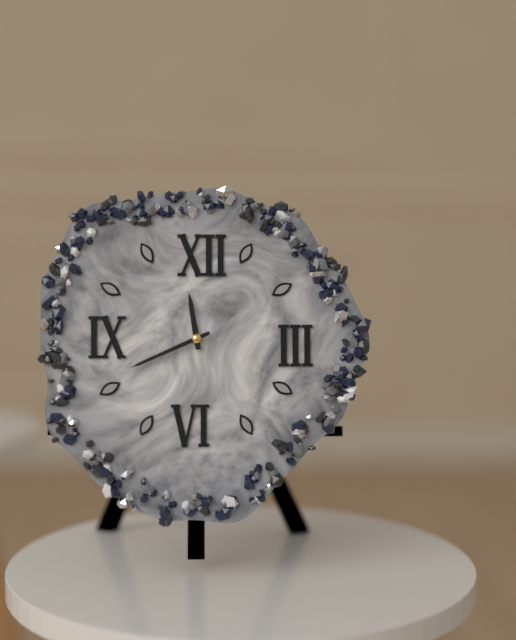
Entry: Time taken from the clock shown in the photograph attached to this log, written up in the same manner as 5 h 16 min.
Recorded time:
11 h 41 min
